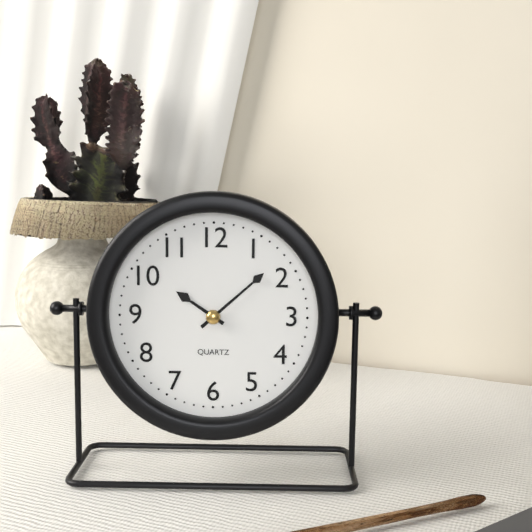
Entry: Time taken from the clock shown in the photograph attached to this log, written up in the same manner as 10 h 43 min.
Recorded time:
10 h 08 min
